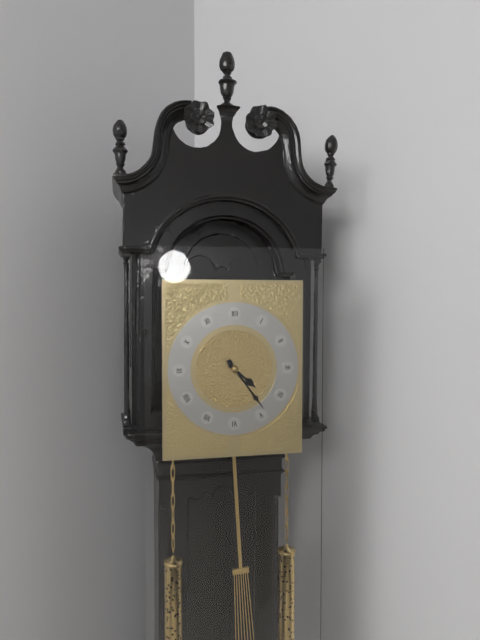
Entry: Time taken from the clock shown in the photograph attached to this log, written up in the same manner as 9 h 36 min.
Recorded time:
4 h 24 min
